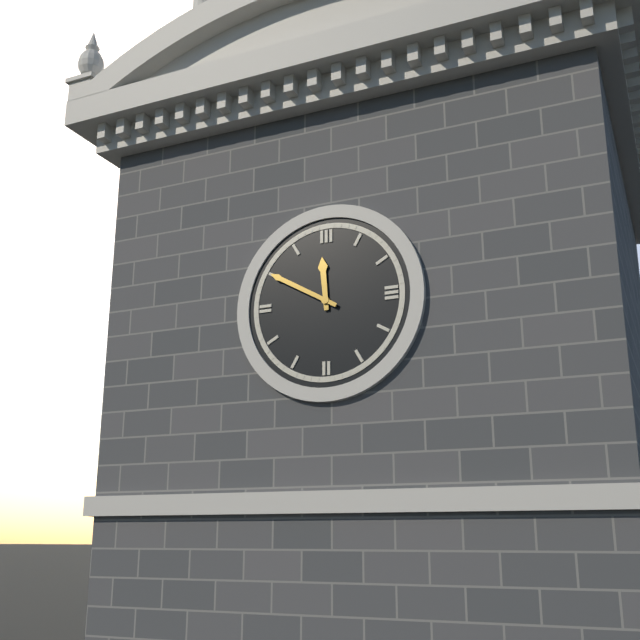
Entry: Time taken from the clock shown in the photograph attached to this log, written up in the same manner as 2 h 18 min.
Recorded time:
11 h 50 min
